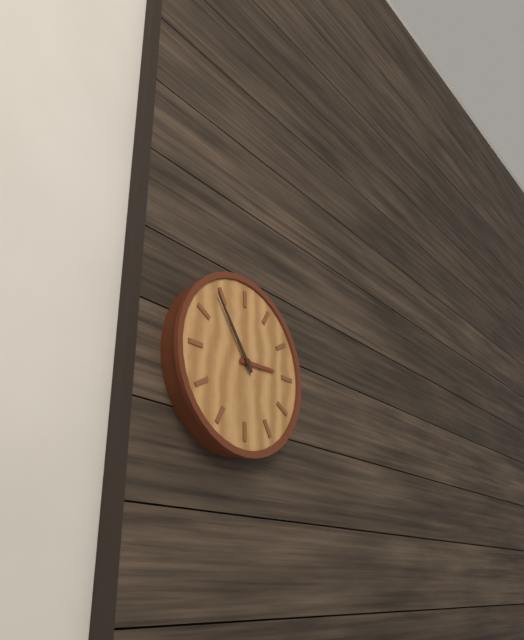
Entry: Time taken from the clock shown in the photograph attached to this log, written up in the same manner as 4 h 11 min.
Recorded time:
2 h 54 min
